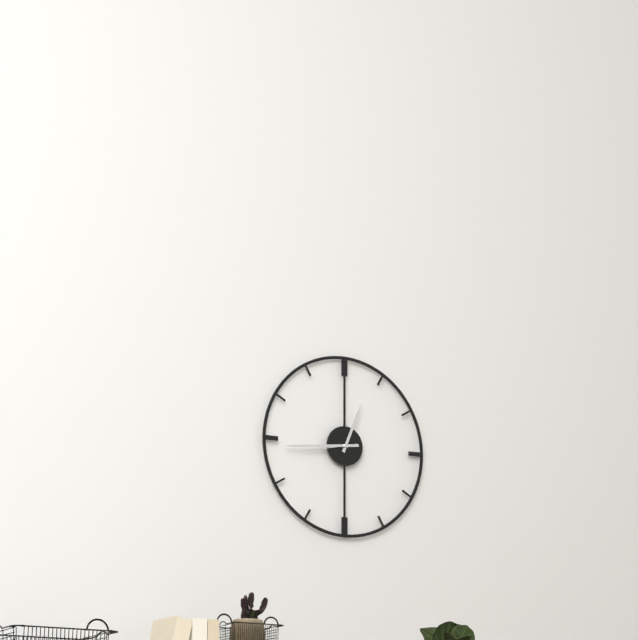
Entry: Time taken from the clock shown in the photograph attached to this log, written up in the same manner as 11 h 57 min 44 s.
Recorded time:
12 h 44 min 43 s
